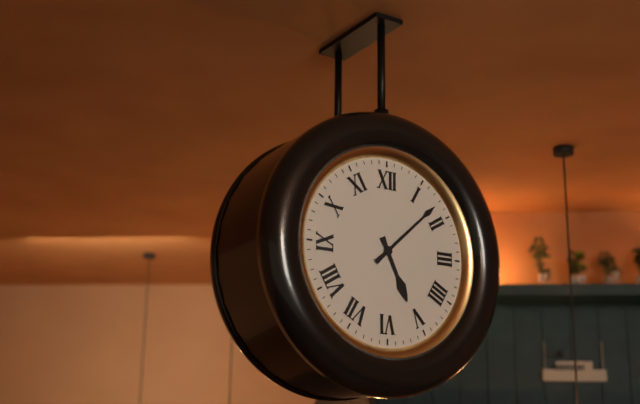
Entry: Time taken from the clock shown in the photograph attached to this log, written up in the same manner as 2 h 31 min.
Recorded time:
5 h 08 min
